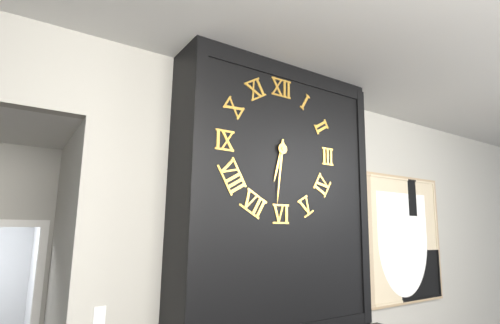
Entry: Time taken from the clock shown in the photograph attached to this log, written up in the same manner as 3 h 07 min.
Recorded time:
6 h 31 min
